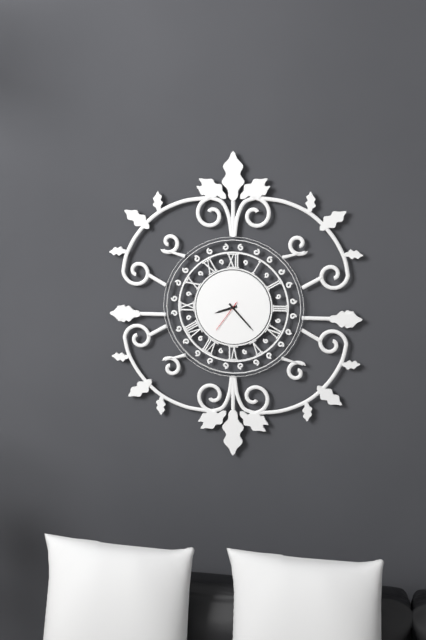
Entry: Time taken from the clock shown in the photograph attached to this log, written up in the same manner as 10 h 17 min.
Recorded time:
8 h 23 min
